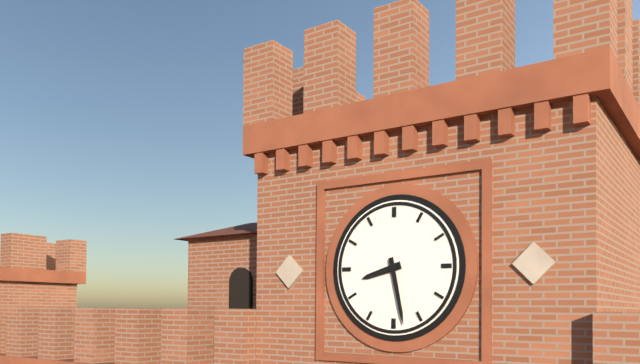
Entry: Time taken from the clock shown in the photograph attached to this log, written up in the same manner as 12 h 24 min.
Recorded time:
8 h 28 min
